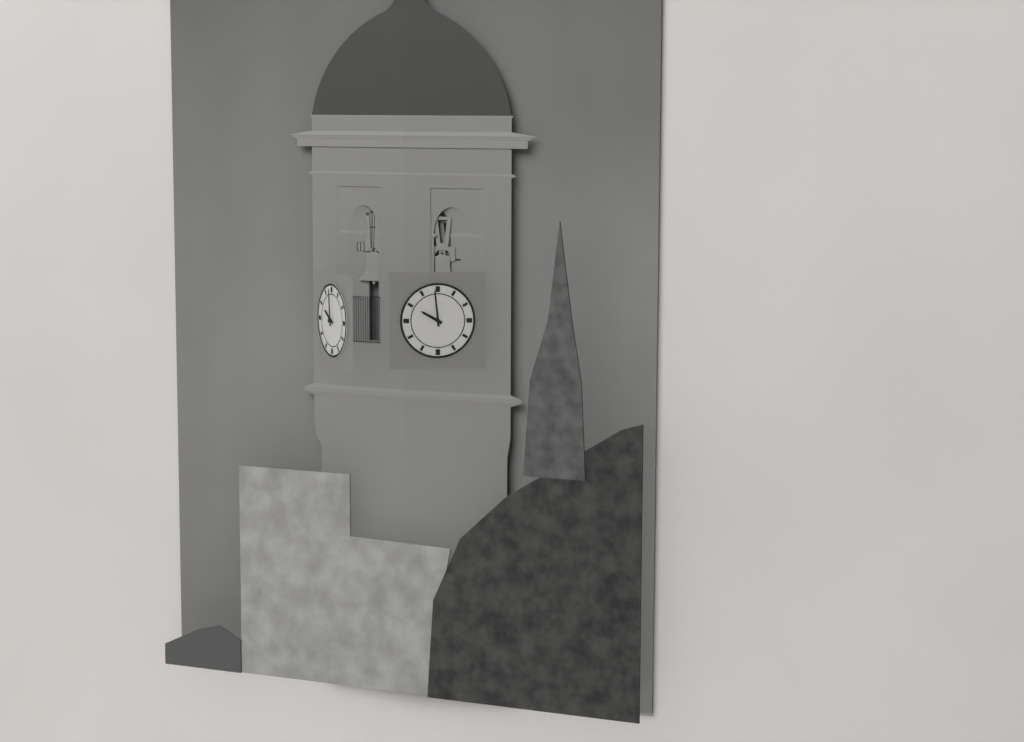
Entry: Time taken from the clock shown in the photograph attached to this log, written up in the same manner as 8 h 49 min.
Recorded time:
9 h 59 min
